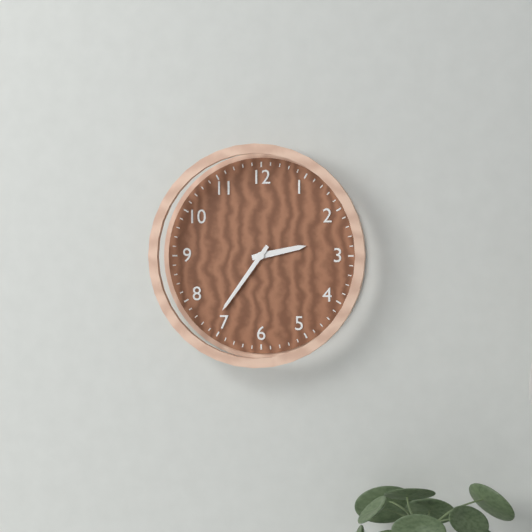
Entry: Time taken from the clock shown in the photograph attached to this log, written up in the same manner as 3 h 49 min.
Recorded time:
2 h 36 min
